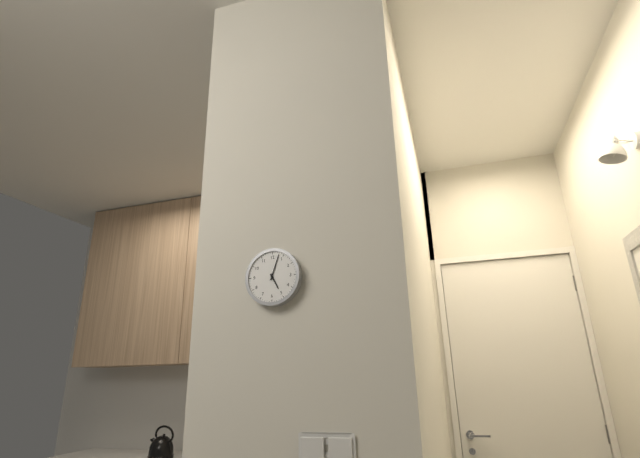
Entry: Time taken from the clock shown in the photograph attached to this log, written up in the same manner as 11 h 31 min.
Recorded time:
5 h 03 min
